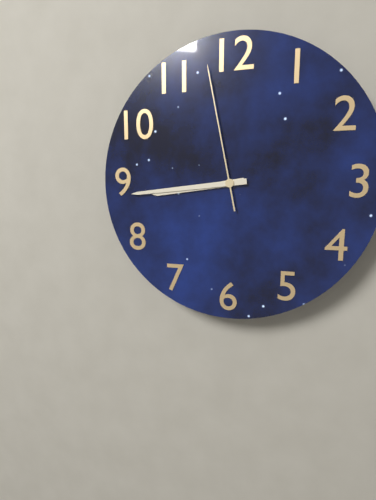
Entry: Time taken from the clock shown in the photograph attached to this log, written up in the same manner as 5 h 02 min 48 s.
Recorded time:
8 h 44 min 58 s
